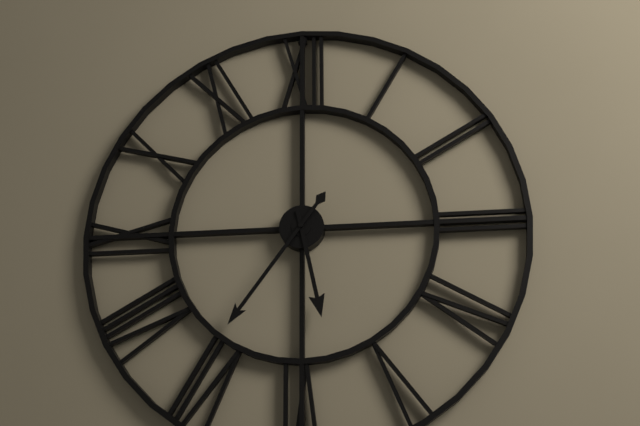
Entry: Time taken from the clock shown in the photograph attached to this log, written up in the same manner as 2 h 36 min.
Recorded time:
5 h 36 min
